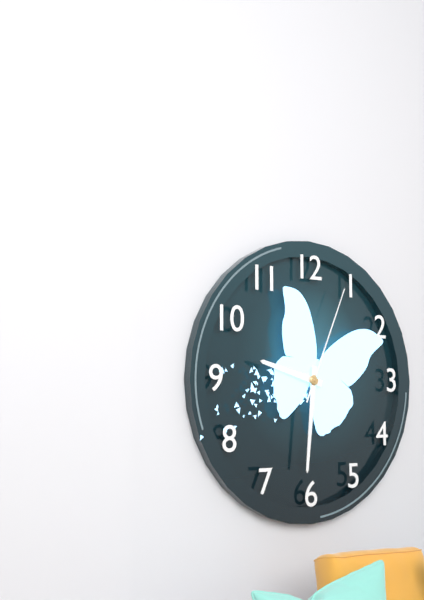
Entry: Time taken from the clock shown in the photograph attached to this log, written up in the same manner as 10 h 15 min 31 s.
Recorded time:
9 h 31 min 04 s
